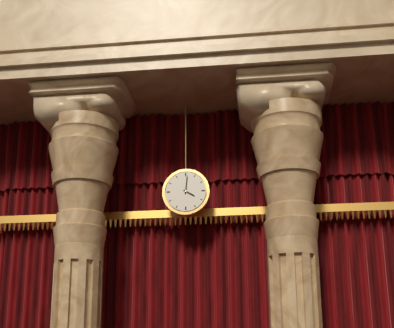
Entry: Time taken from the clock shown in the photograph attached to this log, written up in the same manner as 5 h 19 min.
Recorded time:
4 h 01 min
